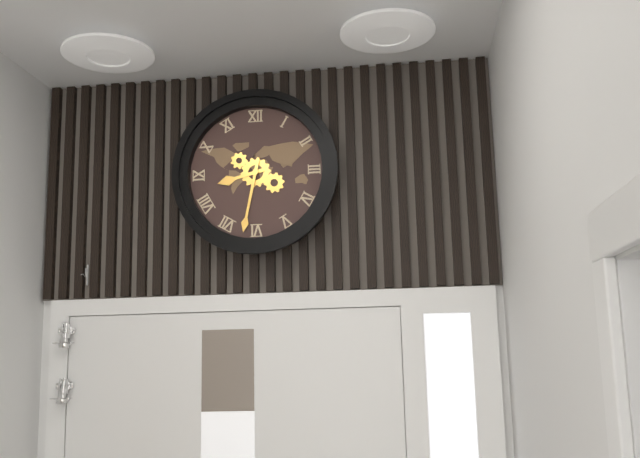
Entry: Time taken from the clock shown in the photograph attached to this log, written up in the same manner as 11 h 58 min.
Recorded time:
8 h 32 min
